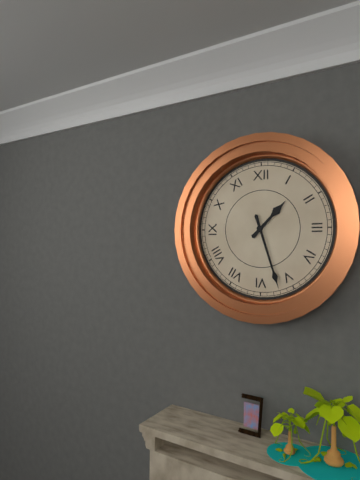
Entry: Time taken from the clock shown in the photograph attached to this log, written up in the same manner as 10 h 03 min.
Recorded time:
1 h 27 min
